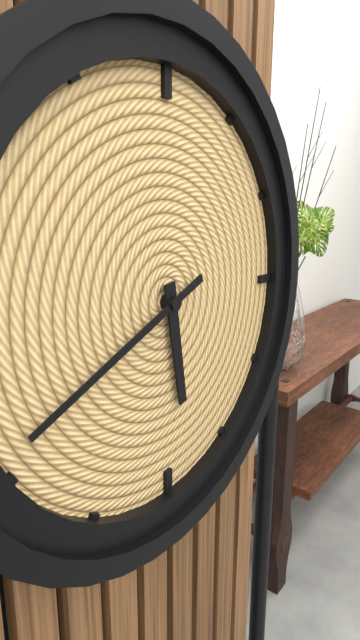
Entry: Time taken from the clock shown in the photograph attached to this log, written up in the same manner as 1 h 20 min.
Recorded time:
5 h 41 min
